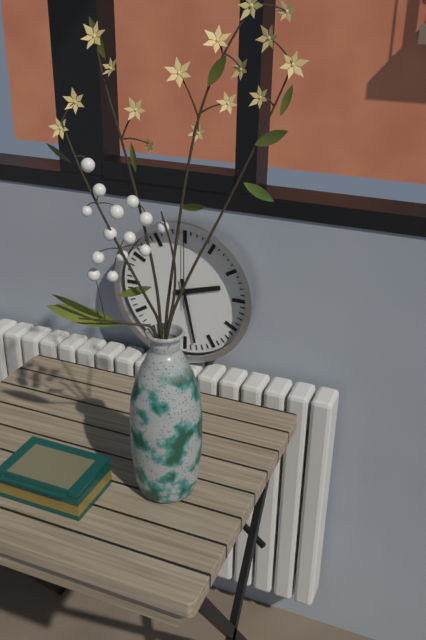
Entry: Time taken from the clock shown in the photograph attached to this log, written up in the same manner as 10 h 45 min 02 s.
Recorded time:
2 h 28 min 00 s
